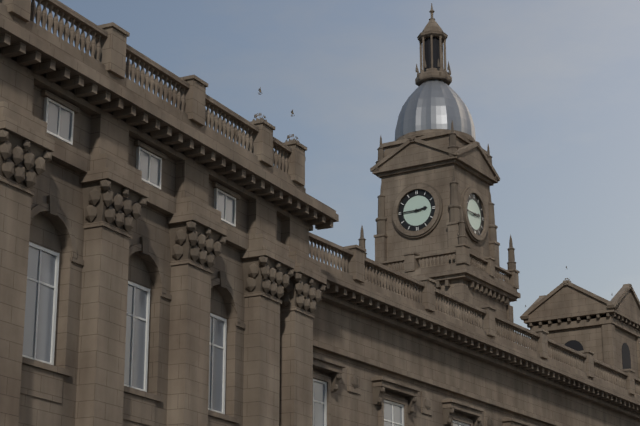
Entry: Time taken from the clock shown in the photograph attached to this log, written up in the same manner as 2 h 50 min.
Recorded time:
2 h 45 min
